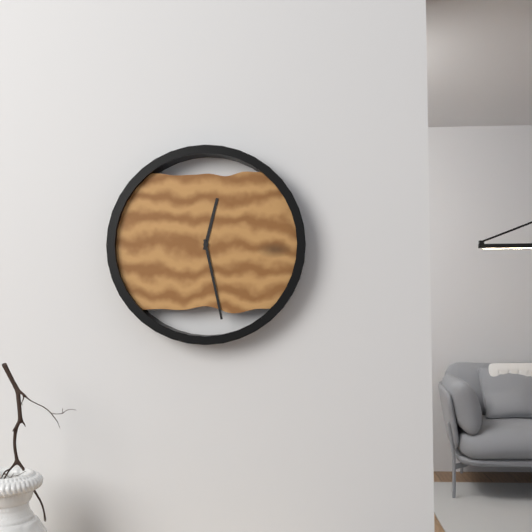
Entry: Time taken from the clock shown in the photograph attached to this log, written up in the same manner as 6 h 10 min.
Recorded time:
12 h 28 min
